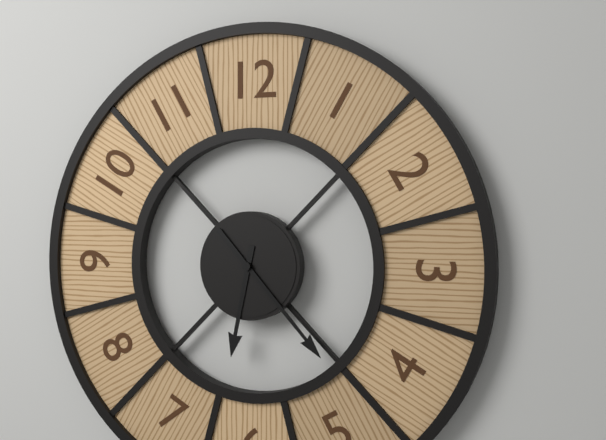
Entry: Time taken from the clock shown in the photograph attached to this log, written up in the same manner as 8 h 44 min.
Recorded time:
6 h 23 min
